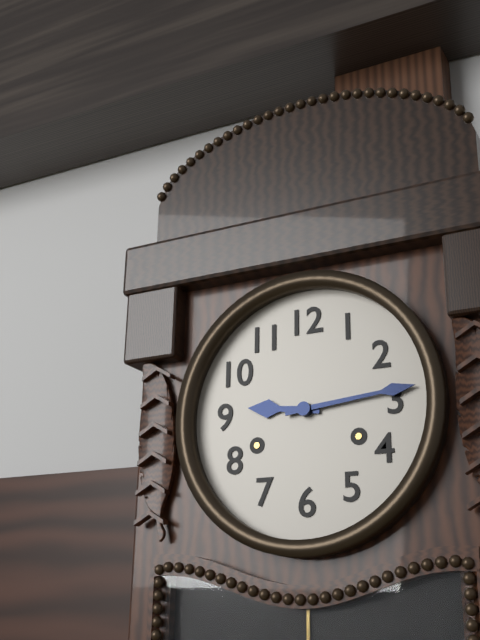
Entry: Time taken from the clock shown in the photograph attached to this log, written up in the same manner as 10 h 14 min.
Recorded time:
9 h 14 min
